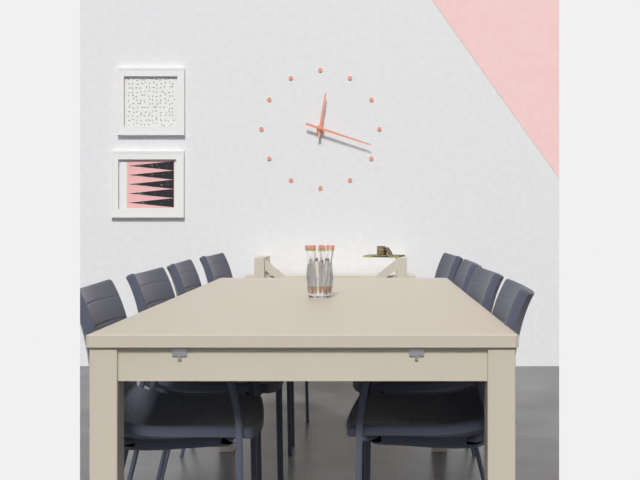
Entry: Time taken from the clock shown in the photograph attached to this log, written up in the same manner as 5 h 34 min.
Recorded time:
12 h 18 min
